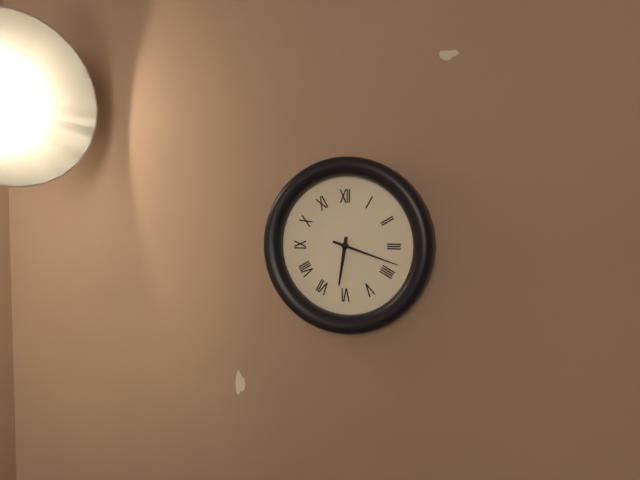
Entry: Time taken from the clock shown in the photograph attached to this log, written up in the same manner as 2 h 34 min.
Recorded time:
6 h 18 min
